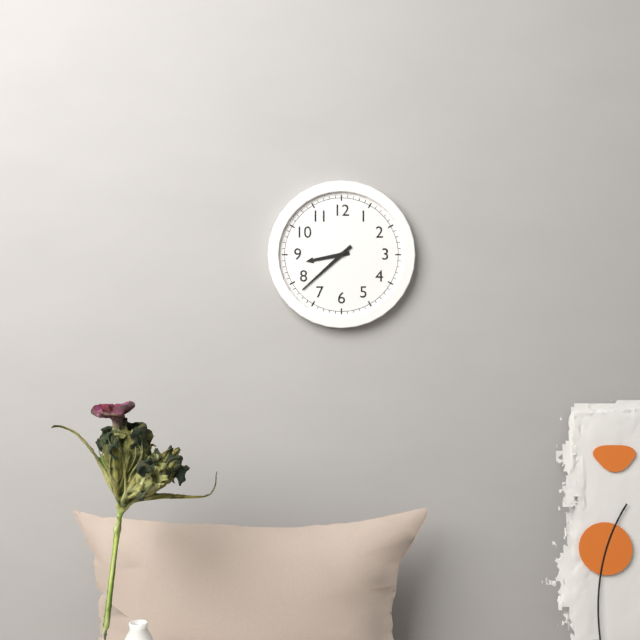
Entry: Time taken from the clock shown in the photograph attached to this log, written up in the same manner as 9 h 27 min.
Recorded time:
8 h 38 min
